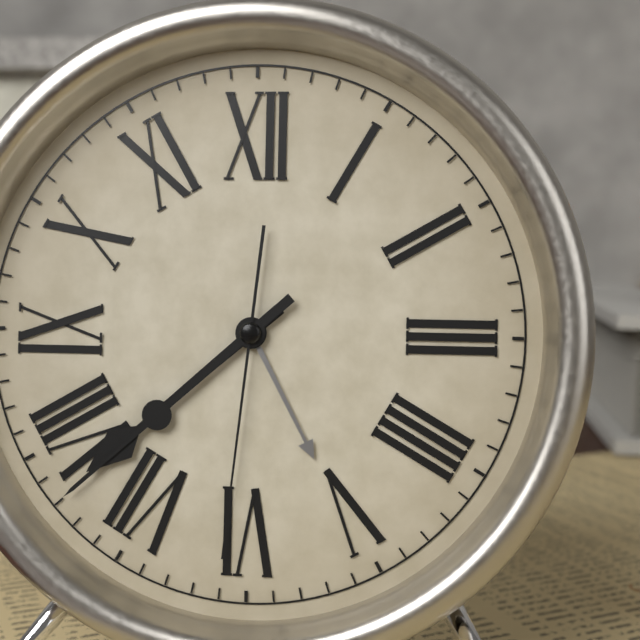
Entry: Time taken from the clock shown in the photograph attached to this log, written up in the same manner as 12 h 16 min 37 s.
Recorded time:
7 h 38 min 31 s
